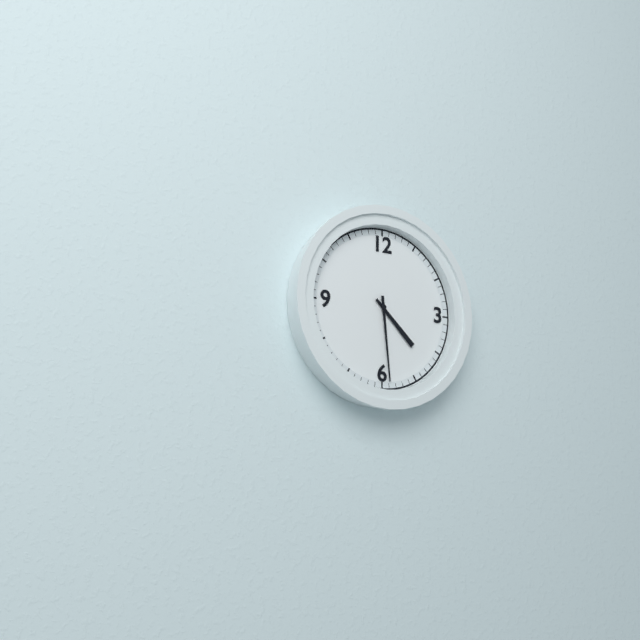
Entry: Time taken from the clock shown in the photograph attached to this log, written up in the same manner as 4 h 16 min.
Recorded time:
4 h 29 min
